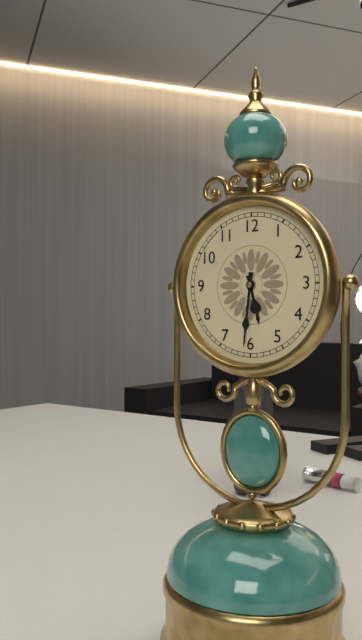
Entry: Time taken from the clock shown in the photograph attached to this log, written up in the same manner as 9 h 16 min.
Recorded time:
5 h 31 min
